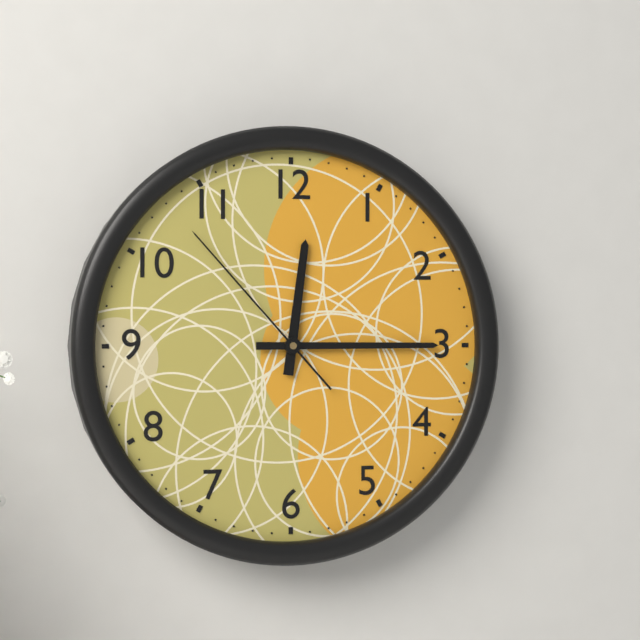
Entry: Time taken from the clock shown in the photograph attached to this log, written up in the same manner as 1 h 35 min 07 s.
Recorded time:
12 h 15 min 53 s
